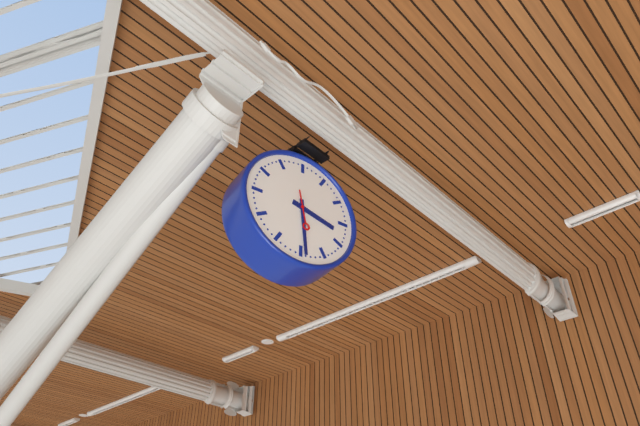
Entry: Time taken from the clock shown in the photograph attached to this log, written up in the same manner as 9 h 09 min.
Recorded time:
3 h 29 min
